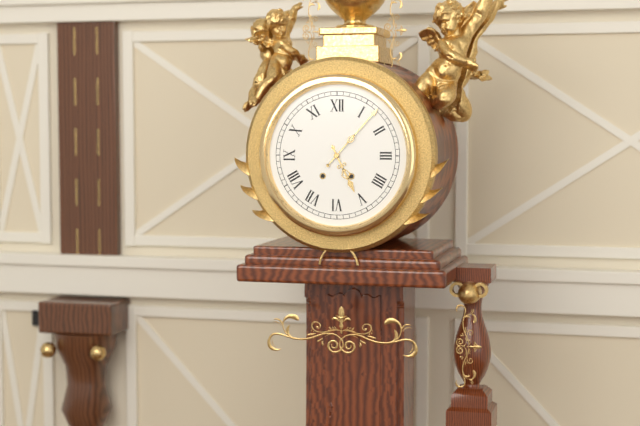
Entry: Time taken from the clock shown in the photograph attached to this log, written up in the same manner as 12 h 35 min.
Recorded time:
5 h 07 min
